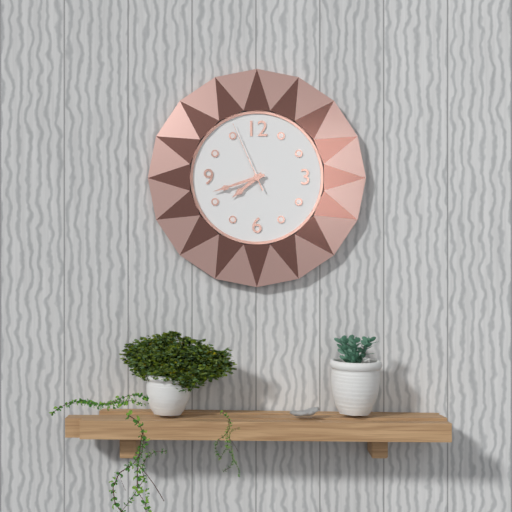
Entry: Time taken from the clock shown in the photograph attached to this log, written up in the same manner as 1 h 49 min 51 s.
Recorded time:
7 h 42 min 56 s
